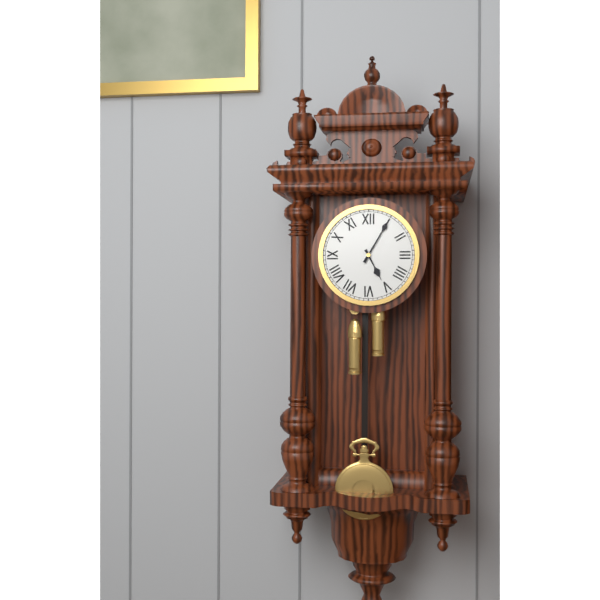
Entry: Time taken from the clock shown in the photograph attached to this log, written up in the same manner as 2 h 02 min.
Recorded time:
5 h 05 min
